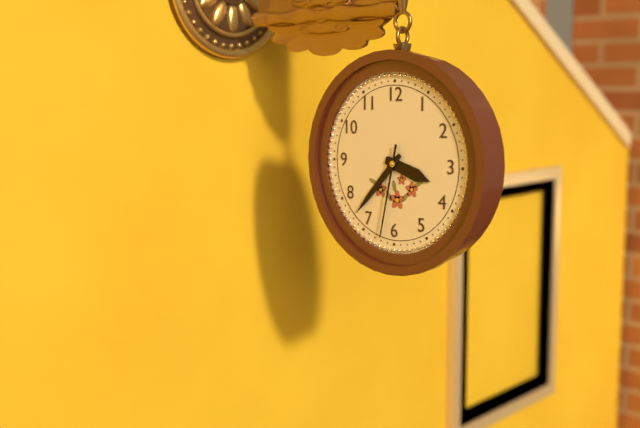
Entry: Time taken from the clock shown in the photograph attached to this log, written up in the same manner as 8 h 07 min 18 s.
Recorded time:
3 h 37 min 32 s
